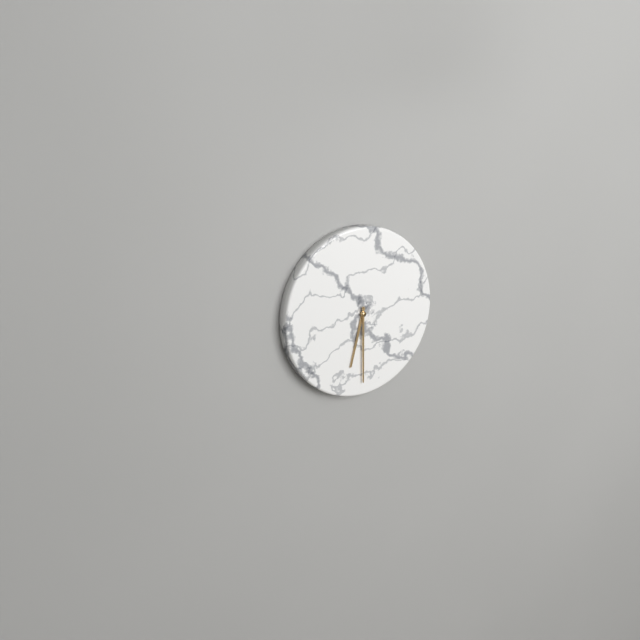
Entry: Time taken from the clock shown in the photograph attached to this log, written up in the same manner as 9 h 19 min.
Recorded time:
6 h 30 min
